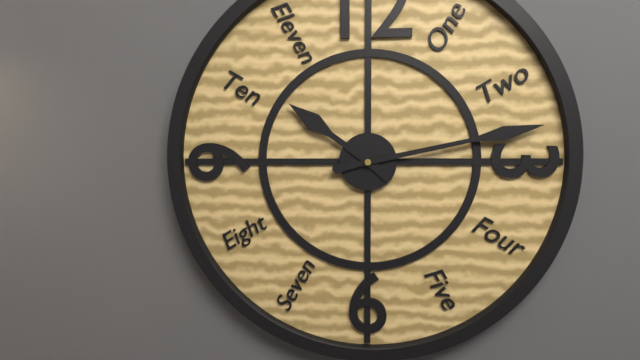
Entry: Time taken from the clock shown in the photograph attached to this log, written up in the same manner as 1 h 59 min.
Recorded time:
10 h 13 min
